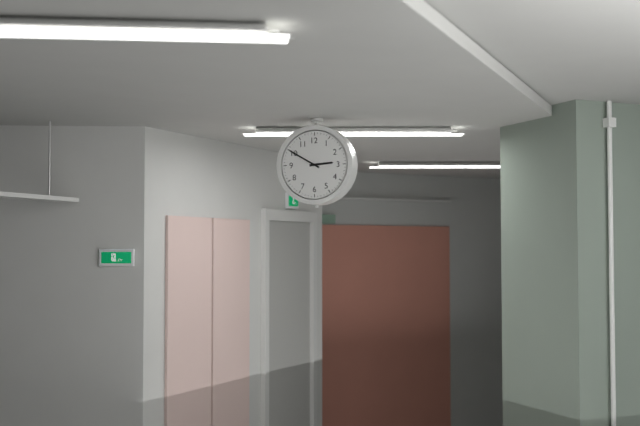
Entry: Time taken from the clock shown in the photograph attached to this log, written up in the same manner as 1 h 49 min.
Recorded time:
2 h 50 min
